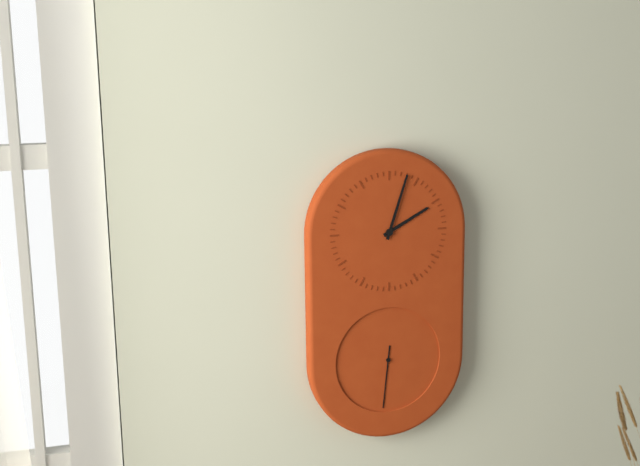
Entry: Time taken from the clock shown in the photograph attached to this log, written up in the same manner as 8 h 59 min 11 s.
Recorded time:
2 h 03 min 31 s
